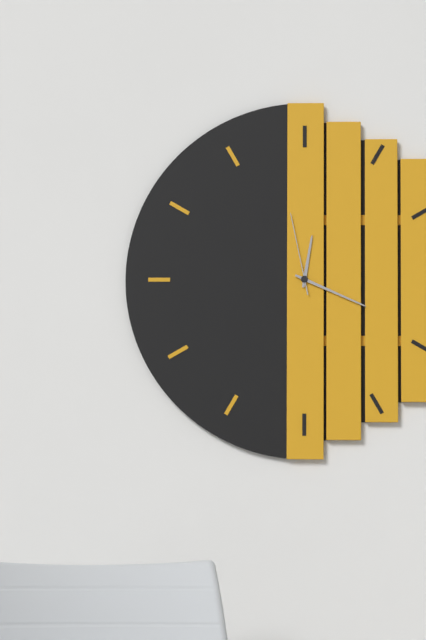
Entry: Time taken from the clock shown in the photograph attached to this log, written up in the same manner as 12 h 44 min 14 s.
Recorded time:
12 h 19 min 58 s
